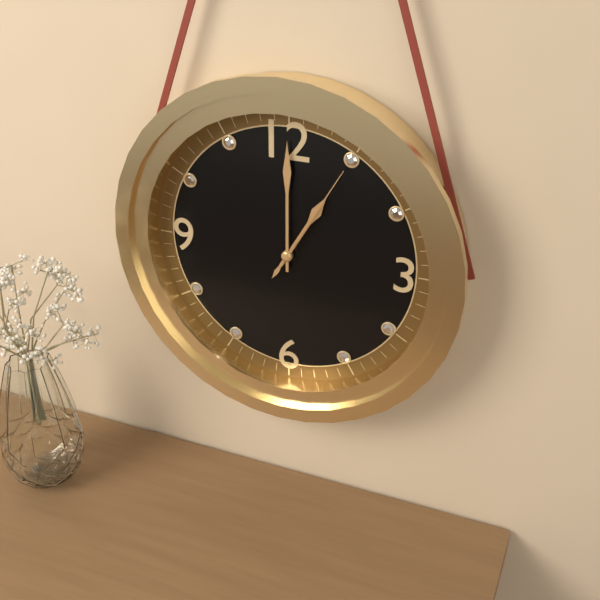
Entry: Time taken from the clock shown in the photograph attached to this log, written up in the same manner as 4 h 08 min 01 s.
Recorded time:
1 h 00 min 05 s
